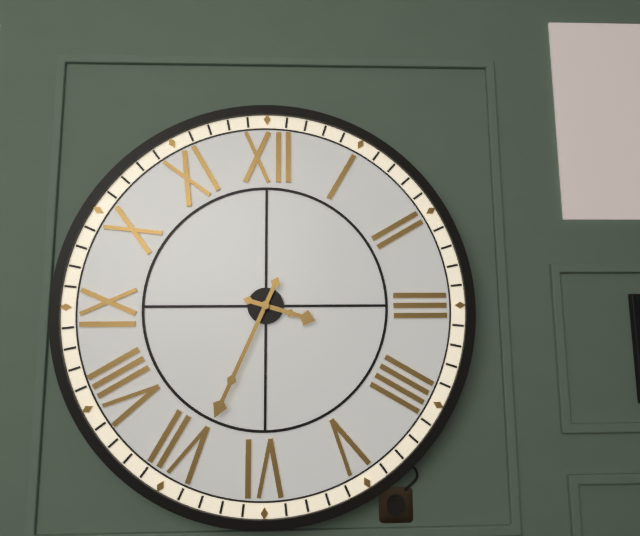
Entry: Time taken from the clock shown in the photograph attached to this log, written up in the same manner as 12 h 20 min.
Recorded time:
3 h 34 min
